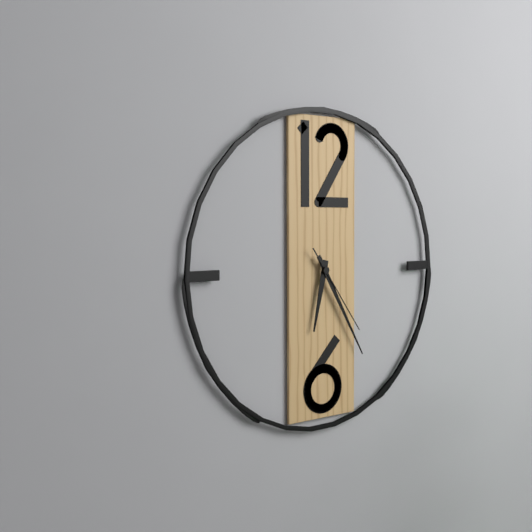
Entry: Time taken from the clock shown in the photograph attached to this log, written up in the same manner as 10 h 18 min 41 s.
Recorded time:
6 h 25 min 24 s
